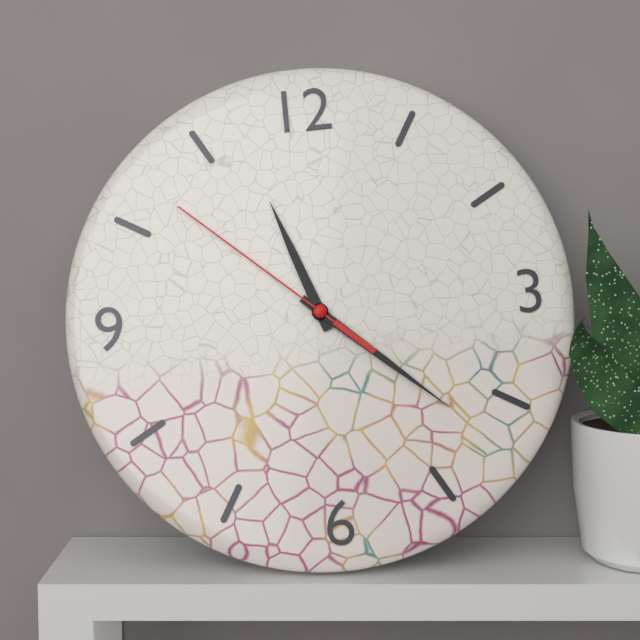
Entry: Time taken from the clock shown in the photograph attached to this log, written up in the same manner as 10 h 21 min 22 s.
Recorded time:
11 h 22 min 52 s
